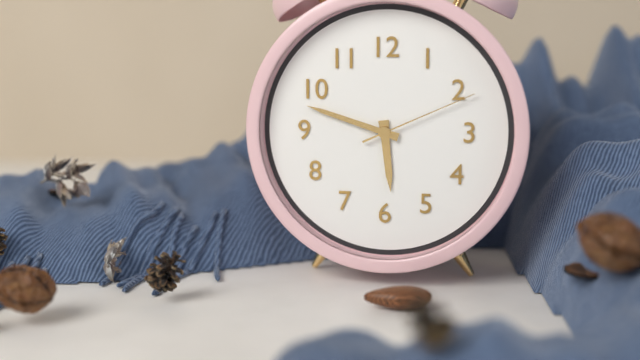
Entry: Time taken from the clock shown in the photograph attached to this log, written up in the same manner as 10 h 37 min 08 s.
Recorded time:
5 h 48 min 11 s
